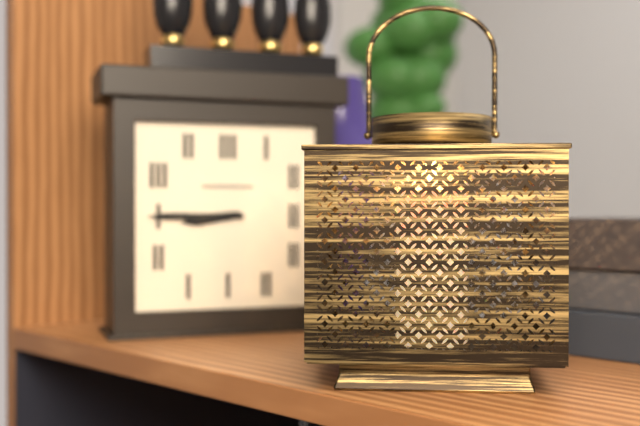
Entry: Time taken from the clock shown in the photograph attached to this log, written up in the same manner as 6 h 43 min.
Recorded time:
8 h 45 min
